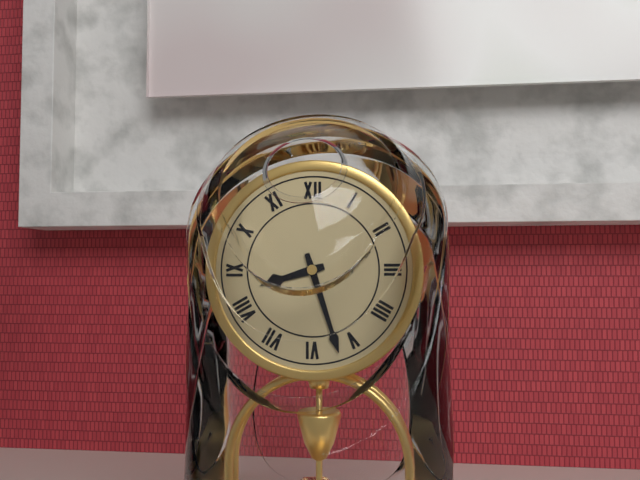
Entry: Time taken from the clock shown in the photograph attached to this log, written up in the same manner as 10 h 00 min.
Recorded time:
8 h 27 min
